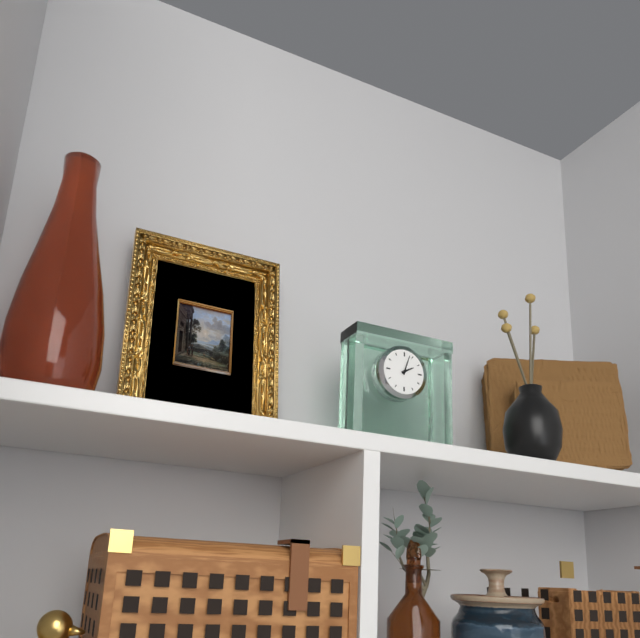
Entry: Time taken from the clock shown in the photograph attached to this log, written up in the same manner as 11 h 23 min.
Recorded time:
2 h 03 min
